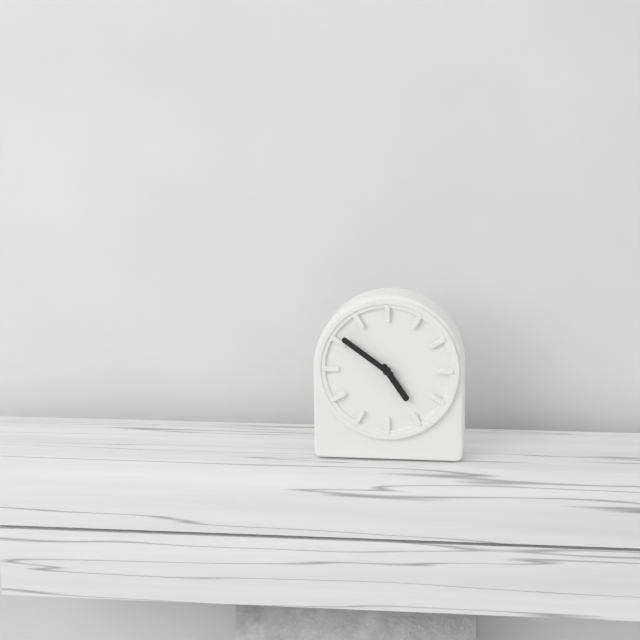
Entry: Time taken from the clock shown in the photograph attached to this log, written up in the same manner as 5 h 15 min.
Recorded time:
4 h 51 min
